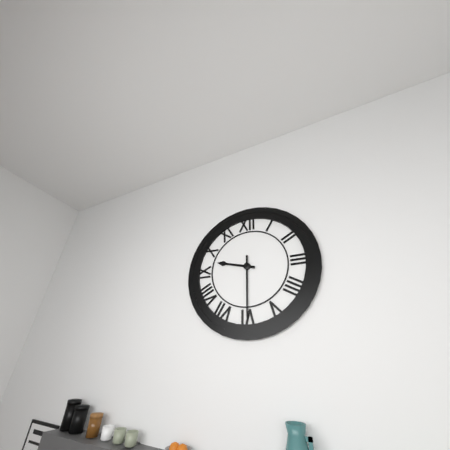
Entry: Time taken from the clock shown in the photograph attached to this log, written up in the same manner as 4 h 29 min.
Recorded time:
9 h 30 min
